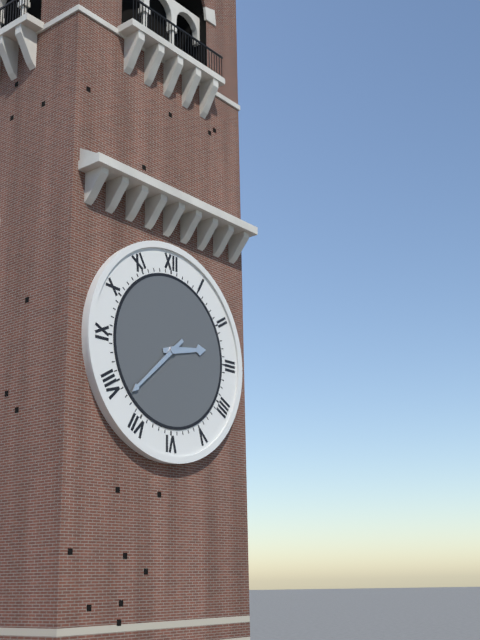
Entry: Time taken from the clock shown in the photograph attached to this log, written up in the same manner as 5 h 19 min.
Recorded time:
2 h 38 min
